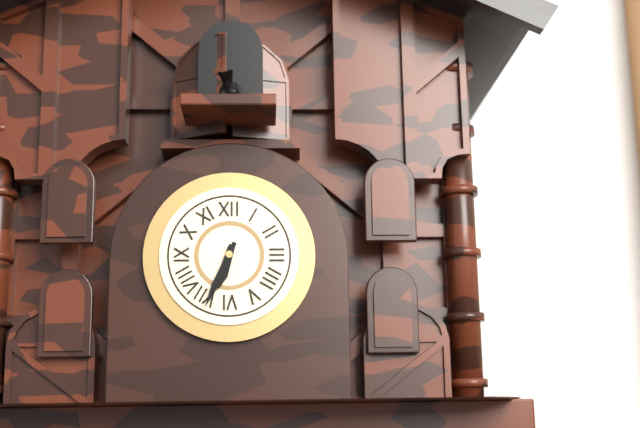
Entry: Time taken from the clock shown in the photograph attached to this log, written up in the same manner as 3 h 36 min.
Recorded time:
6 h 34 min
